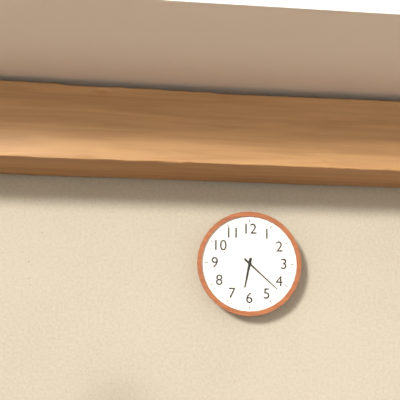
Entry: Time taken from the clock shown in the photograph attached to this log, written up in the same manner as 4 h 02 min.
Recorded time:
6 h 22 min
